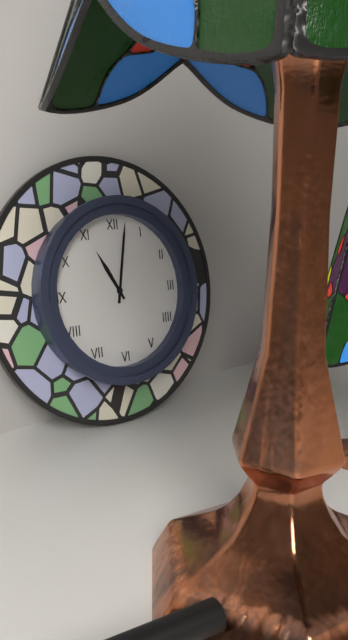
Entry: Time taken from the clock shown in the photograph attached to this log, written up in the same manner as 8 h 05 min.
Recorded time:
11 h 02 min
